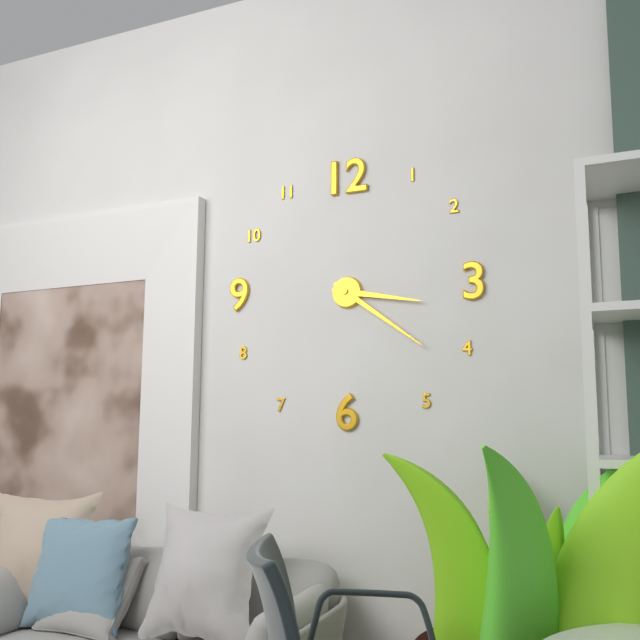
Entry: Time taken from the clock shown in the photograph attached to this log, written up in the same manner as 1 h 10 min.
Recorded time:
3 h 21 min
